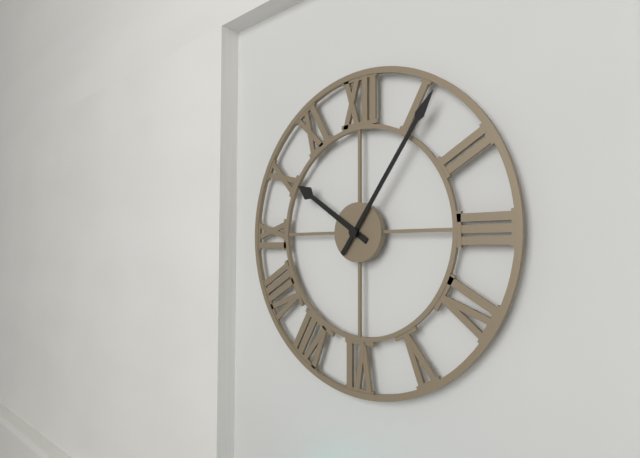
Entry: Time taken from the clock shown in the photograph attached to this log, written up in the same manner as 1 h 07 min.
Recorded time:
10 h 06 min
